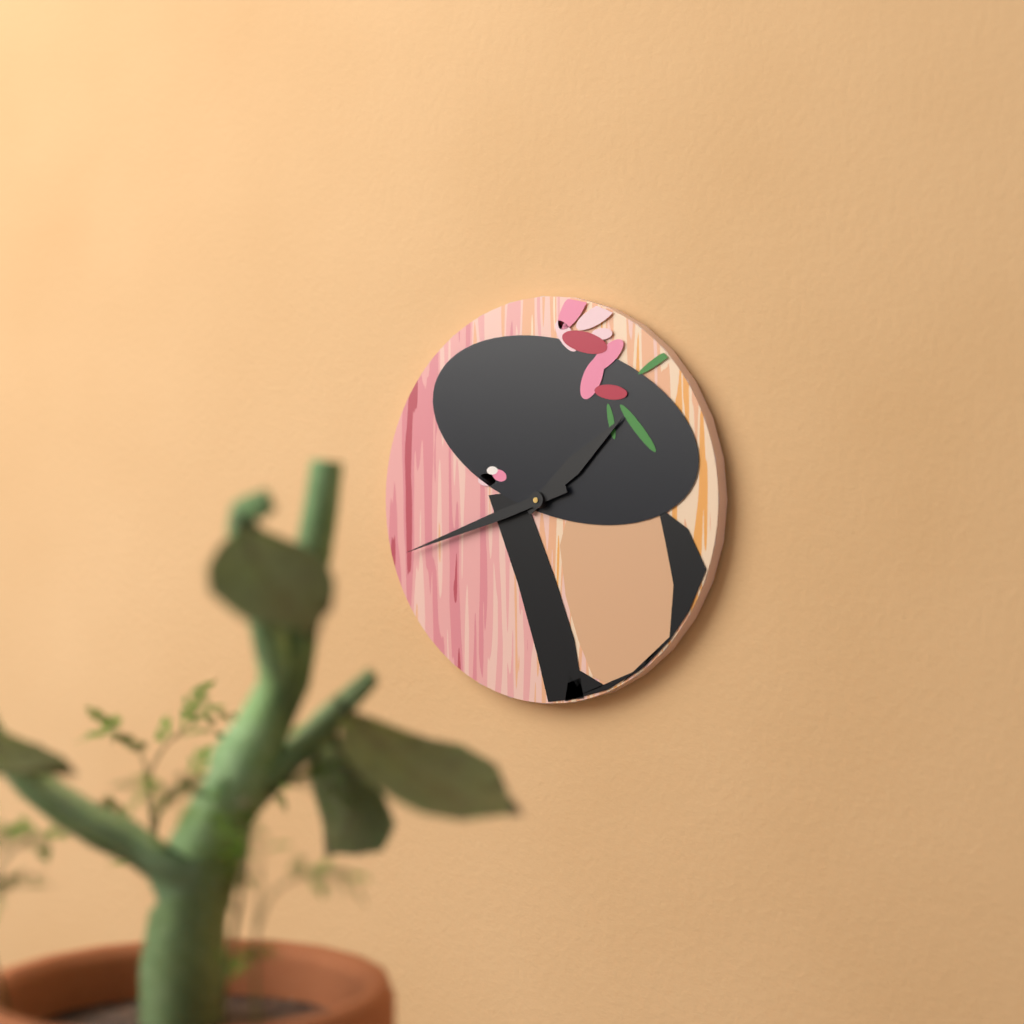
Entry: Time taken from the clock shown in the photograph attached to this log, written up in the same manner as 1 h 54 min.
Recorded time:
1 h 42 min
